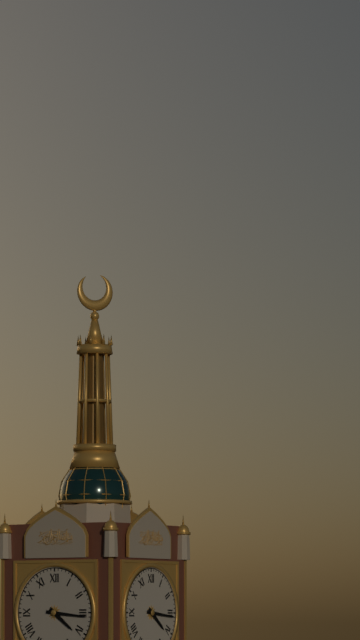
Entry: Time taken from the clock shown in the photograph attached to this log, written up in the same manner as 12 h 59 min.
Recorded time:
4 h 16 min
